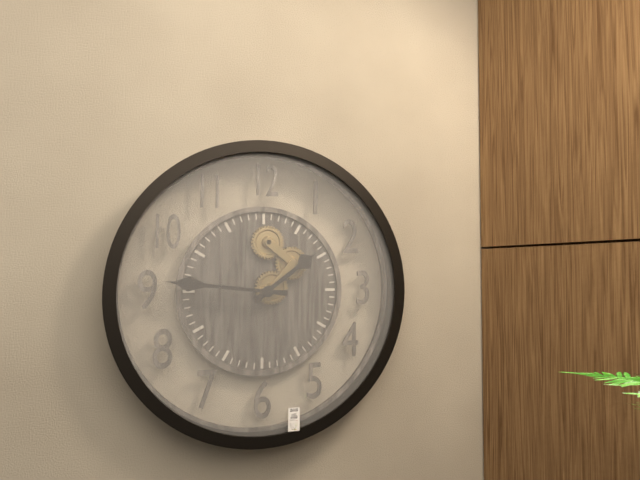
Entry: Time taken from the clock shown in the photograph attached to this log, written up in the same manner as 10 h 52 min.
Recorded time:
1 h 46 min
